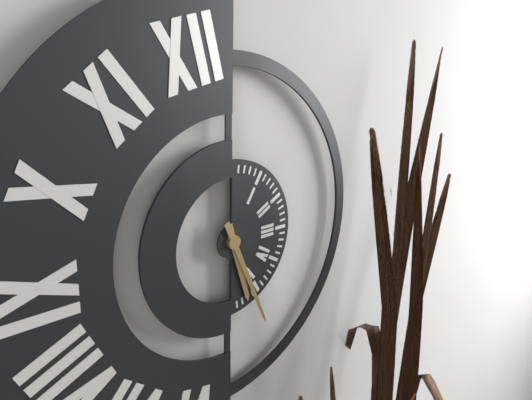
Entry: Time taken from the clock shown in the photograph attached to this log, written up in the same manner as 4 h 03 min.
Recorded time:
5 h 26 min
